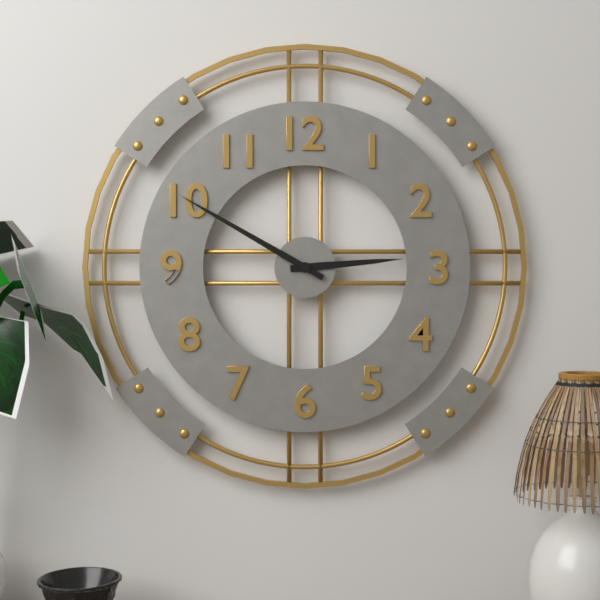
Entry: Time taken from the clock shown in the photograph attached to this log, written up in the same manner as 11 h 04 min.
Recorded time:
2 h 50 min
